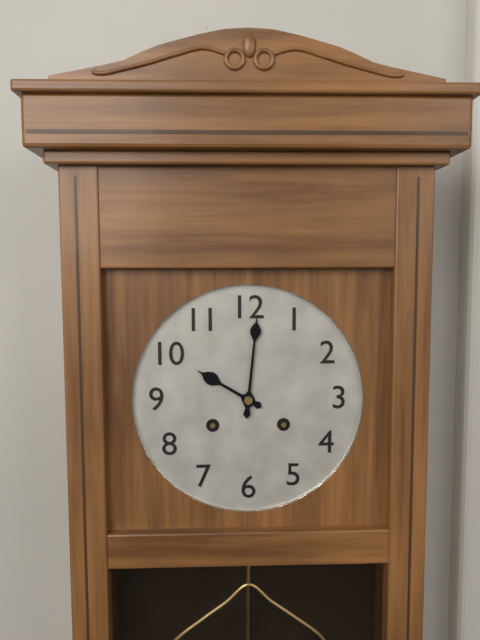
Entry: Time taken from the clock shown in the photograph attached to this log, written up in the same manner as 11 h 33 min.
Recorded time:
10 h 01 min
